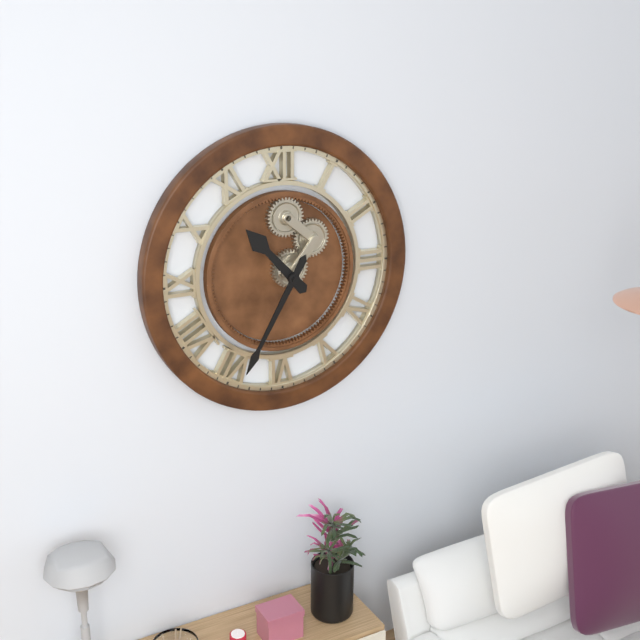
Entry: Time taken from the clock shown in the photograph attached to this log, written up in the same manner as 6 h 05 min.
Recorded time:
10 h 35 min
